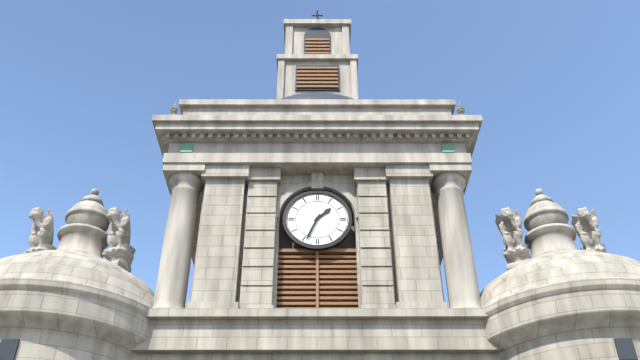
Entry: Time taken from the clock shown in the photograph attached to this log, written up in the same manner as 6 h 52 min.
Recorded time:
1 h 34 min
